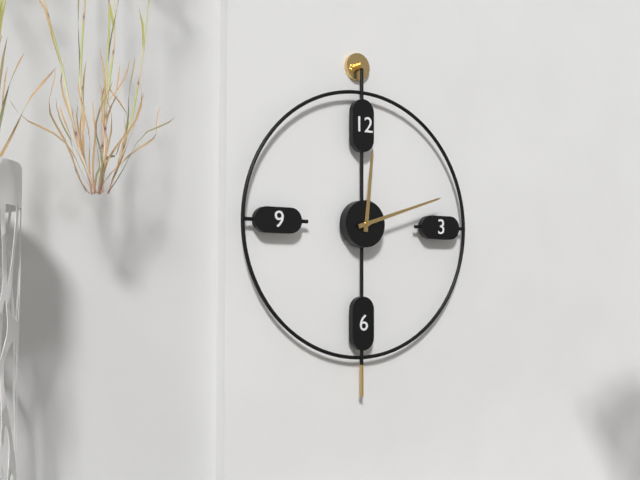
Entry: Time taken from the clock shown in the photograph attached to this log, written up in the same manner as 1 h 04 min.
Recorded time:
12 h 12 min
